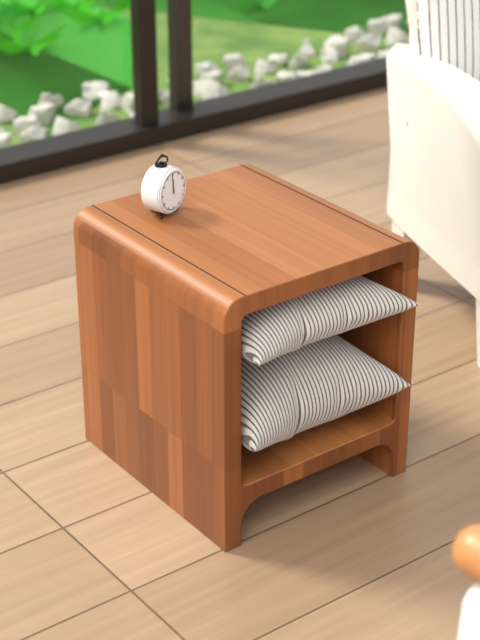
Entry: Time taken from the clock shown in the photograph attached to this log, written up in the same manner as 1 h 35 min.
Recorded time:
11 h 59 min
